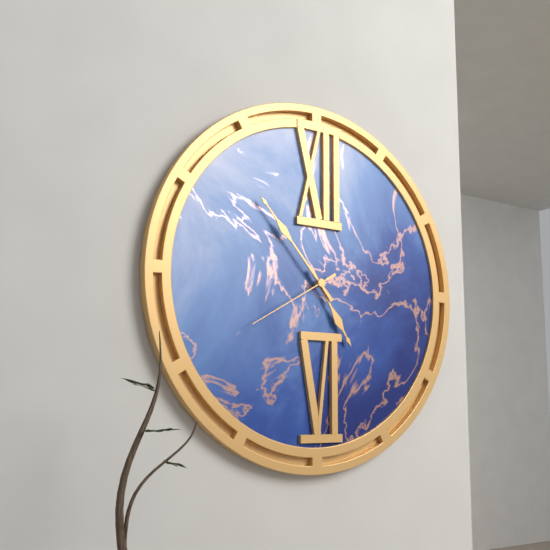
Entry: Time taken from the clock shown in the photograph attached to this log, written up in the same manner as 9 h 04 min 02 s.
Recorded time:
4 h 53 min 40 s
